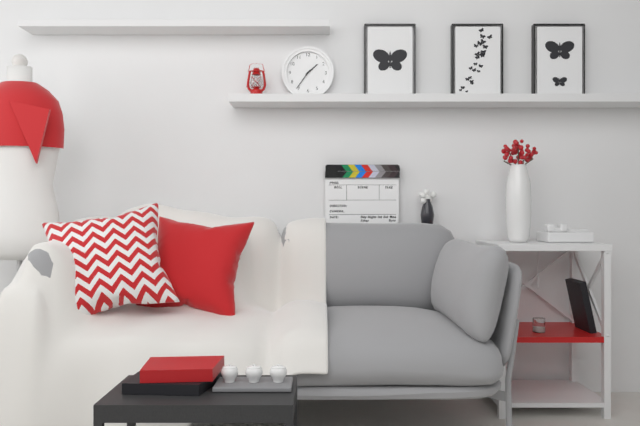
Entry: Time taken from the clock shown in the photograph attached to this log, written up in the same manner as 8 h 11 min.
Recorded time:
1 h 36 min
